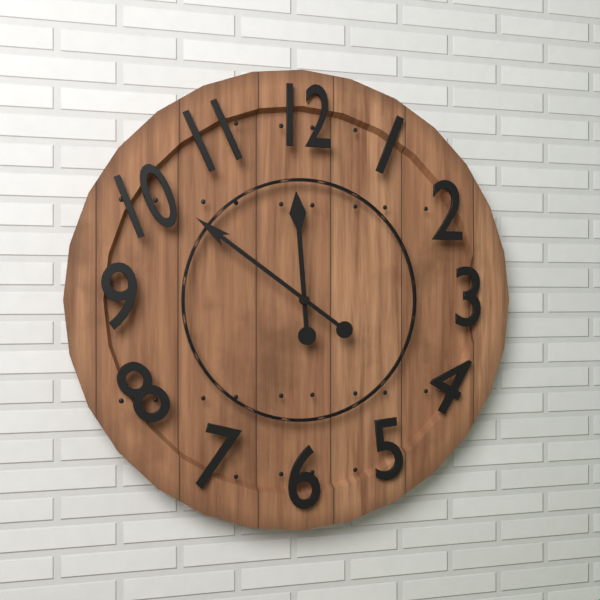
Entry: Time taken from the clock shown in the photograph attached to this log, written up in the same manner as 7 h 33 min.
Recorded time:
11 h 51 min
